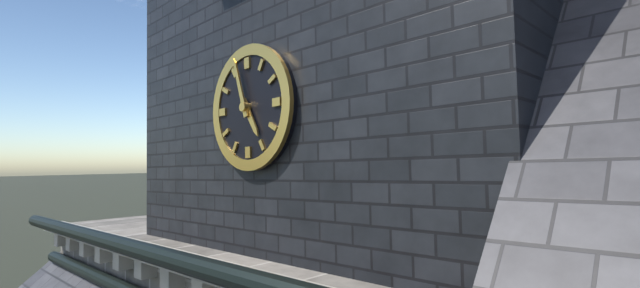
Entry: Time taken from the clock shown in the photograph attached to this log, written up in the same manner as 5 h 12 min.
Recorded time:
4 h 57 min
